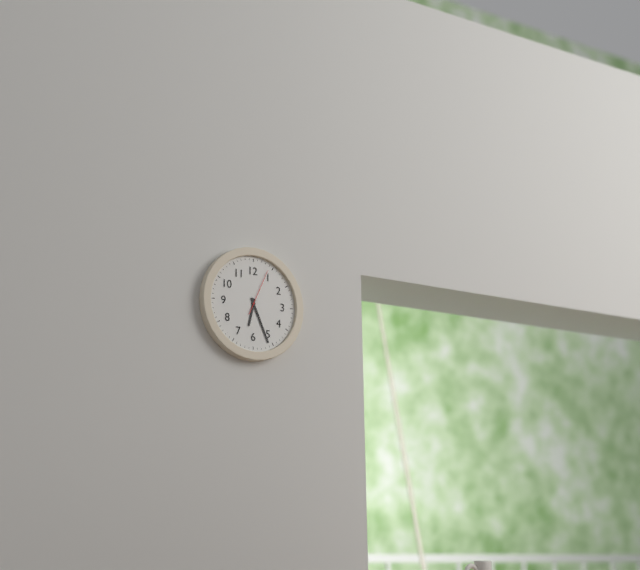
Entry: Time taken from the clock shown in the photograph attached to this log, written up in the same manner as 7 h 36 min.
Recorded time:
6 h 26 min
